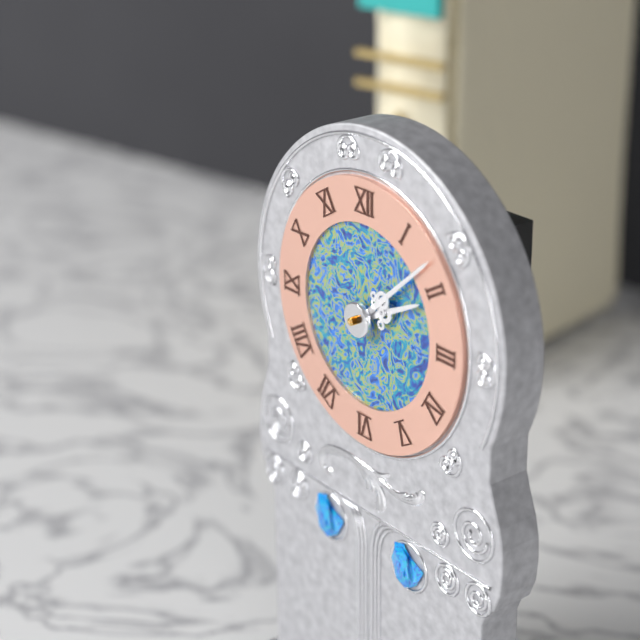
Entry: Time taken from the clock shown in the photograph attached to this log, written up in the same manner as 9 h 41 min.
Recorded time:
2 h 08 min
